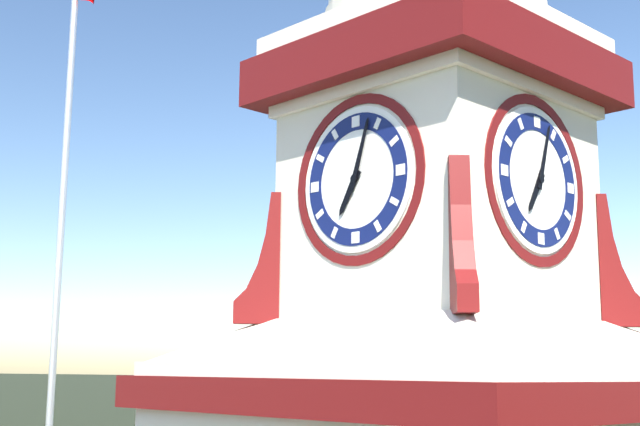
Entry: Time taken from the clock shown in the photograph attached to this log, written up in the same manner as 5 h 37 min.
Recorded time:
7 h 03 min
